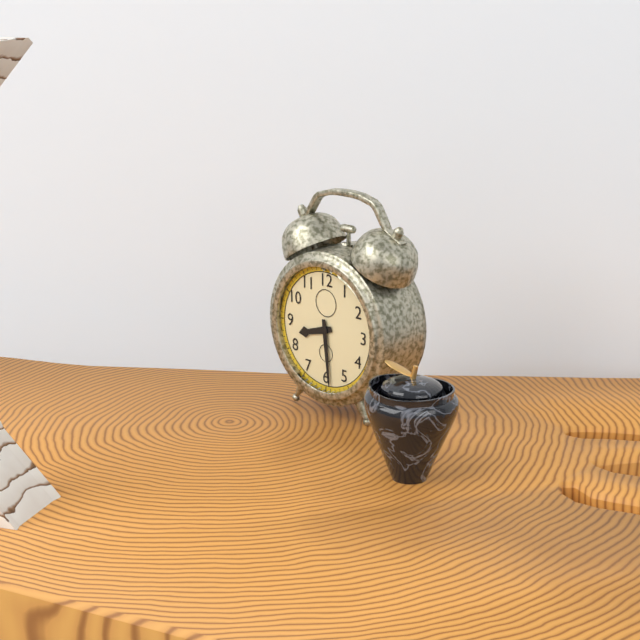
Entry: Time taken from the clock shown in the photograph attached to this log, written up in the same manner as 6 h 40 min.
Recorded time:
8 h 29 min
